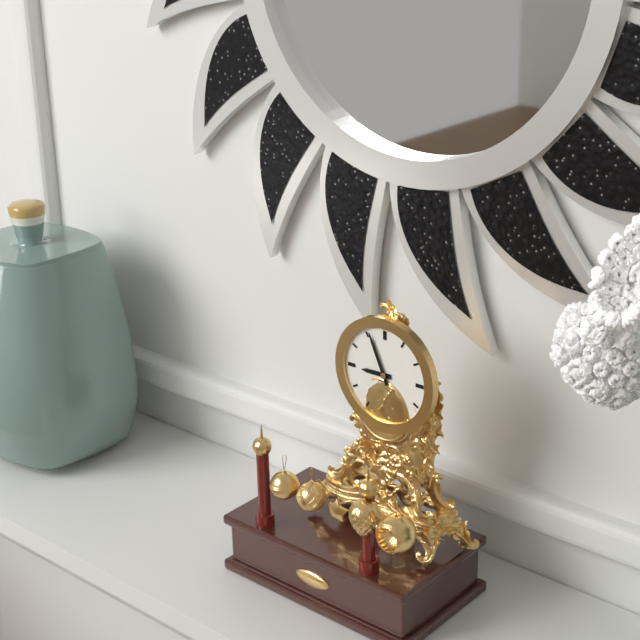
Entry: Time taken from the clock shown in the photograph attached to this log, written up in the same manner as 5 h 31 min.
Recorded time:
8 h 56 min
